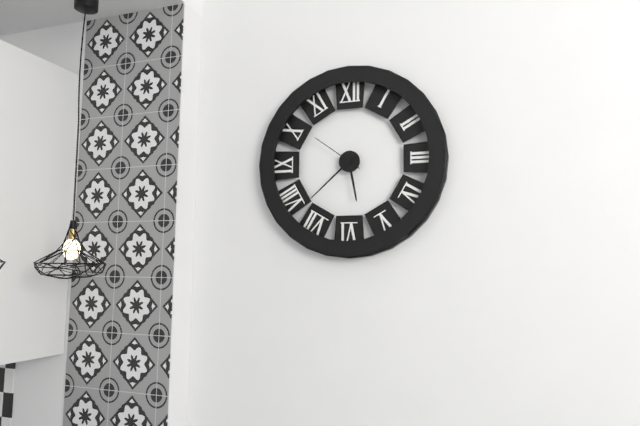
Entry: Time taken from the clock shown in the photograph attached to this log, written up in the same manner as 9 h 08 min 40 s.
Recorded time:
5 h 38 min 51 s
